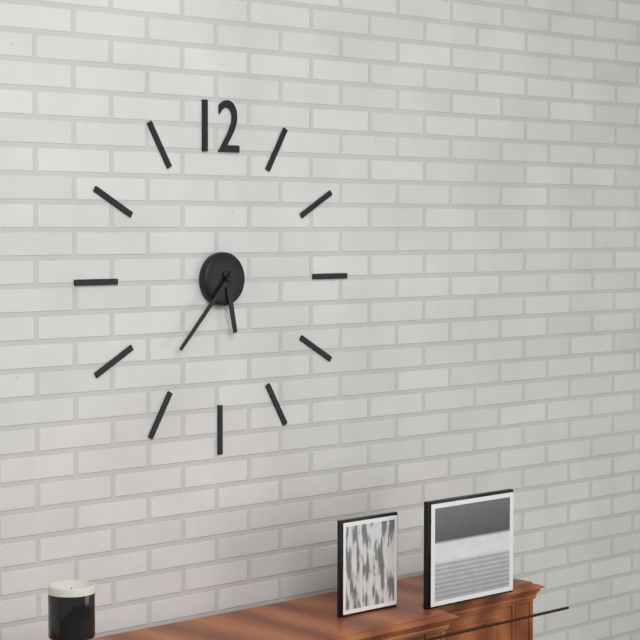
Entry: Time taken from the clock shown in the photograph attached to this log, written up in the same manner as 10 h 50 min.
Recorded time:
5 h 37 min
